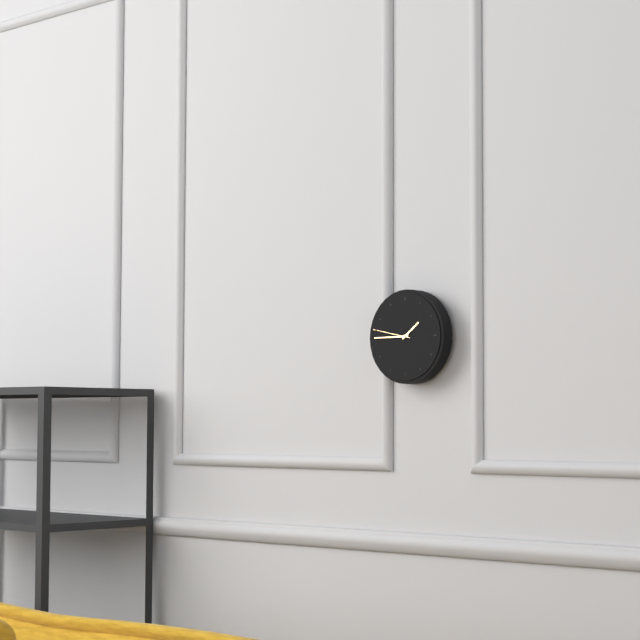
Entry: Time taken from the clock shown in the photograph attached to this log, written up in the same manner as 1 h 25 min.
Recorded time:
1 h 45 min
